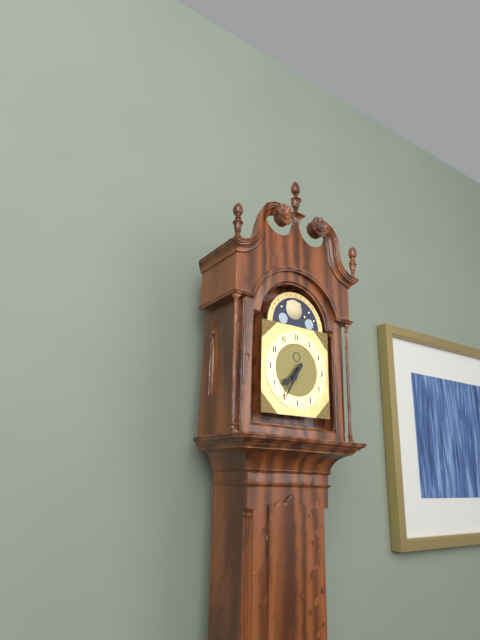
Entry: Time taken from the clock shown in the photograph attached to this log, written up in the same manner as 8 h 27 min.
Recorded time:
7 h 35 min
